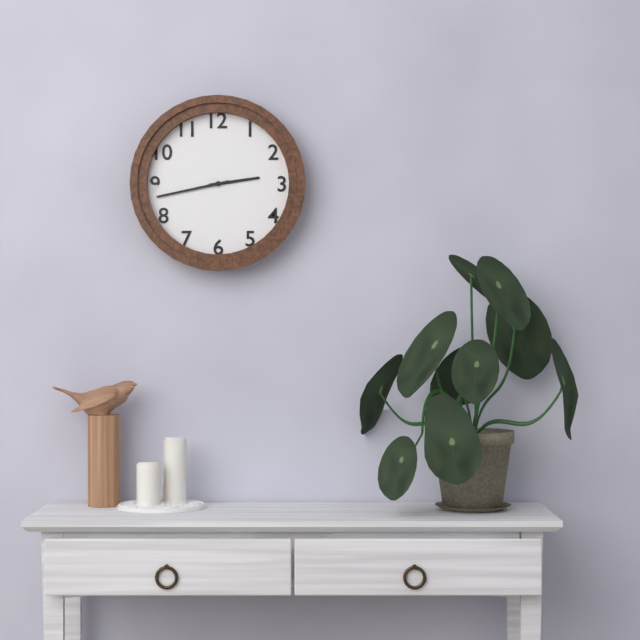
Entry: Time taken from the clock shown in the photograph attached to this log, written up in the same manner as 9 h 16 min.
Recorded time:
2 h 43 min
